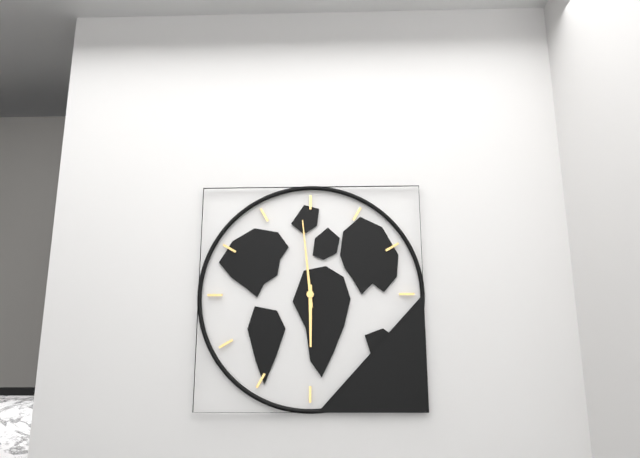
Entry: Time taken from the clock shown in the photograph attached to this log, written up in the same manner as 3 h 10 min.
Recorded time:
5 h 59 min
